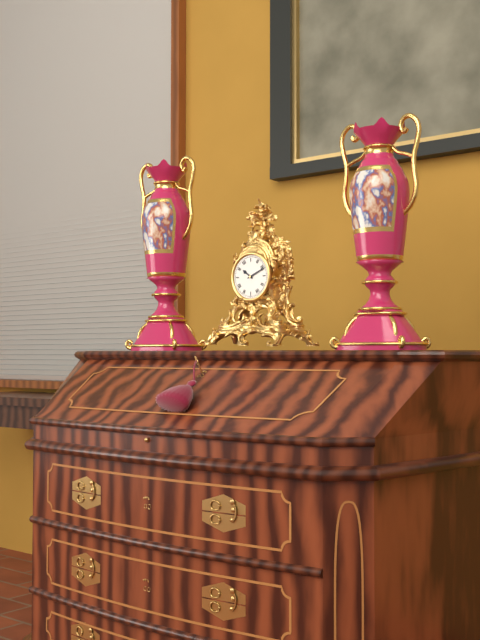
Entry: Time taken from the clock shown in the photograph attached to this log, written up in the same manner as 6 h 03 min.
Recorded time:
10 h 11 min
